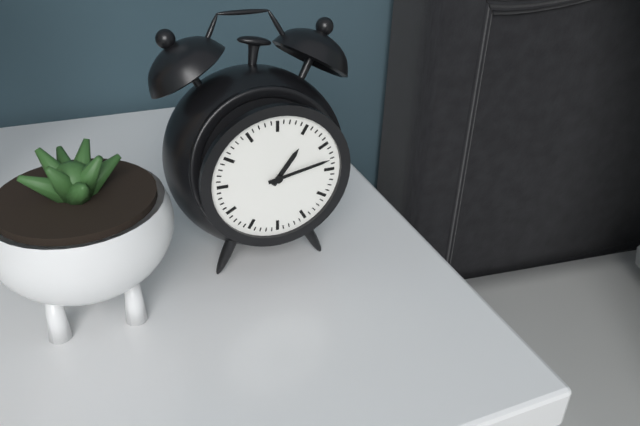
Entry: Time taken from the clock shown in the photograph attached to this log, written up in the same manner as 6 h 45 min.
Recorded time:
1 h 13 min
